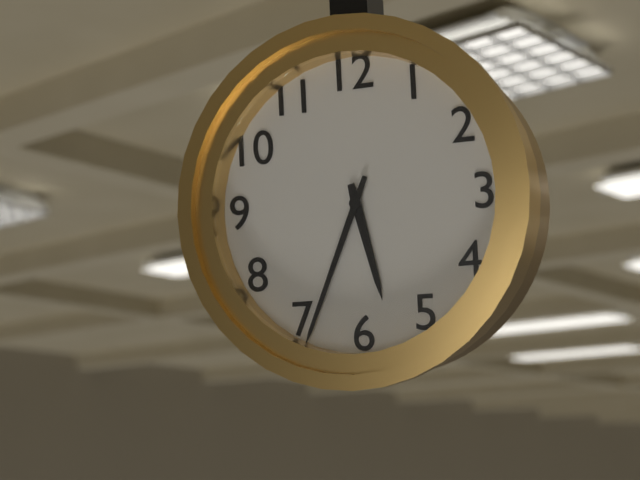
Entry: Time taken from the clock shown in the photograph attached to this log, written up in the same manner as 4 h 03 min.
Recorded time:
5 h 34 min
